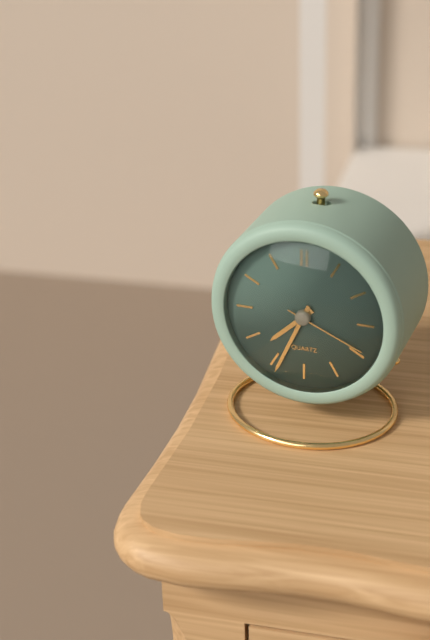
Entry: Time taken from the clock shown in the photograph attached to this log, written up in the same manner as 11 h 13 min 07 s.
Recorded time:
7 h 34 min 19 s
